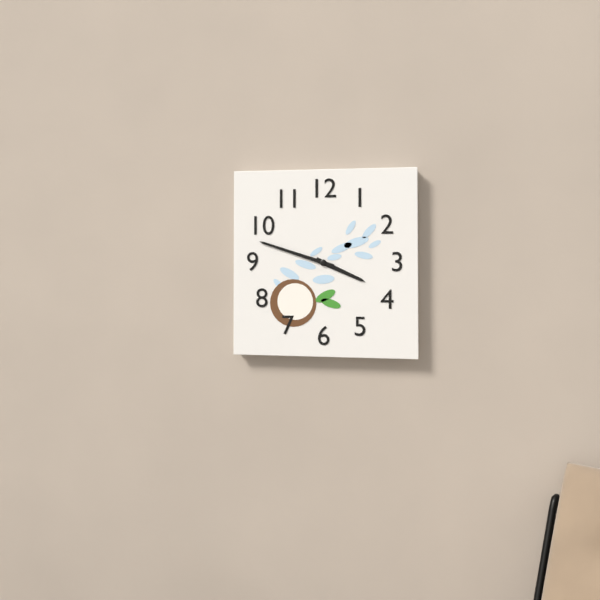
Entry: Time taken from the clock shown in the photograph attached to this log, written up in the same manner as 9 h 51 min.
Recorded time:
3 h 48 min
